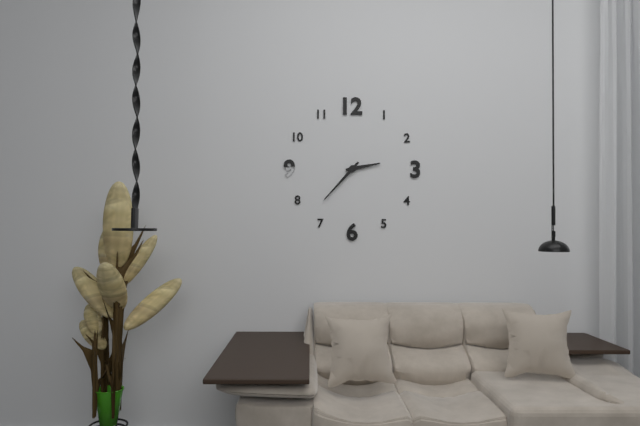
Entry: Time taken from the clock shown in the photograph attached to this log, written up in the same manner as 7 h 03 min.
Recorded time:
2 h 37 min
